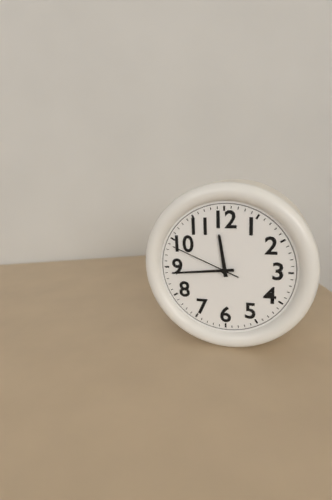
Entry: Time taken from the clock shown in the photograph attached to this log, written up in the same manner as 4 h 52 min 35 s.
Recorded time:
11 h 44 min 49 s
